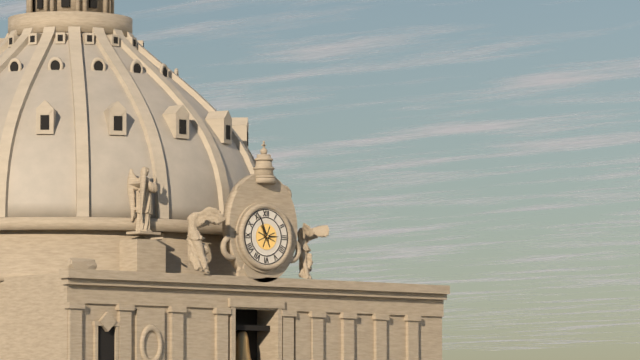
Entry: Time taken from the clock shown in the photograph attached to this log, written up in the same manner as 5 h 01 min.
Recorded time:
2 h 56 min
